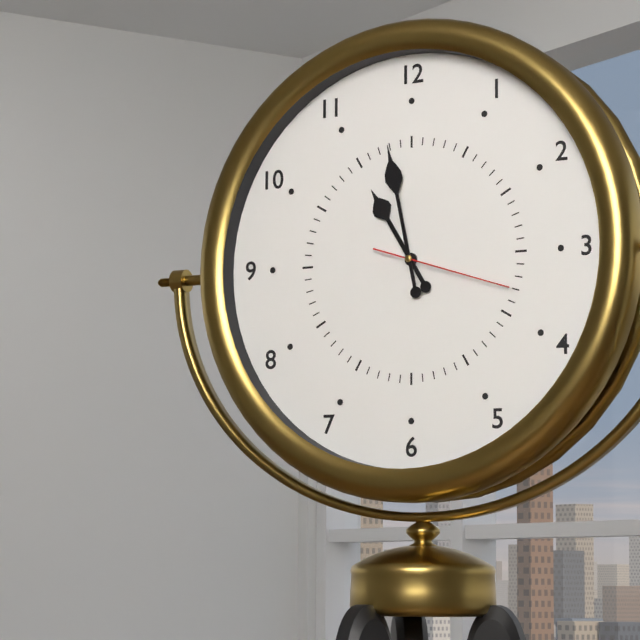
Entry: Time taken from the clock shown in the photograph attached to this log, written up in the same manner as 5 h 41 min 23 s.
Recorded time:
10 h 58 min 18 s
